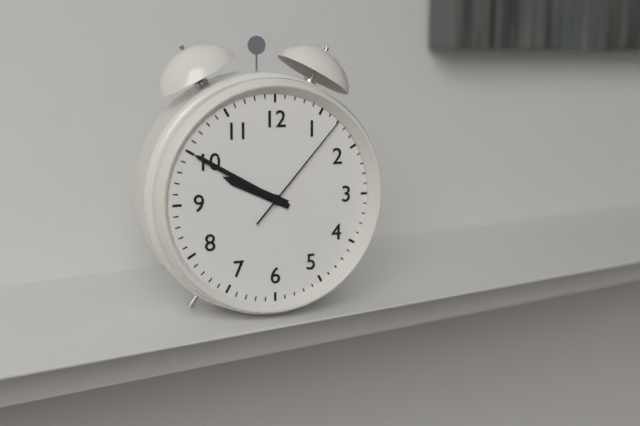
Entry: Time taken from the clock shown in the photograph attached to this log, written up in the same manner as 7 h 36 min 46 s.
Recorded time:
9 h 50 min 07 s
